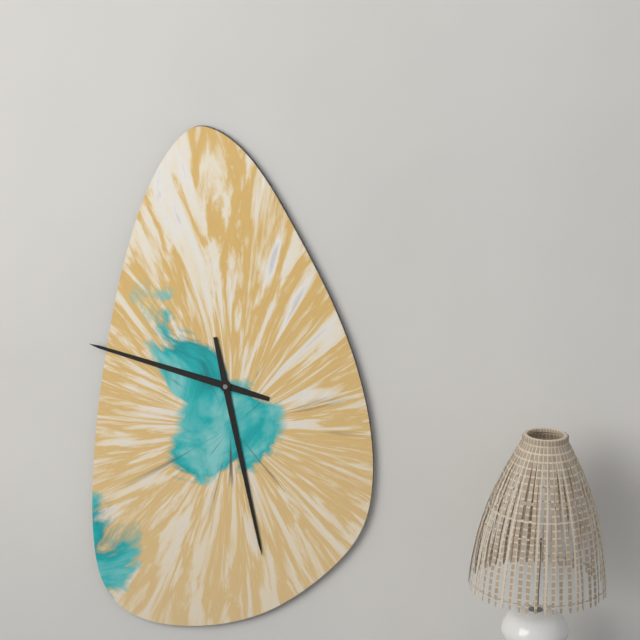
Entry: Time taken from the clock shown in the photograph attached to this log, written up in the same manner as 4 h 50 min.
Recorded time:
9 h 28 min
